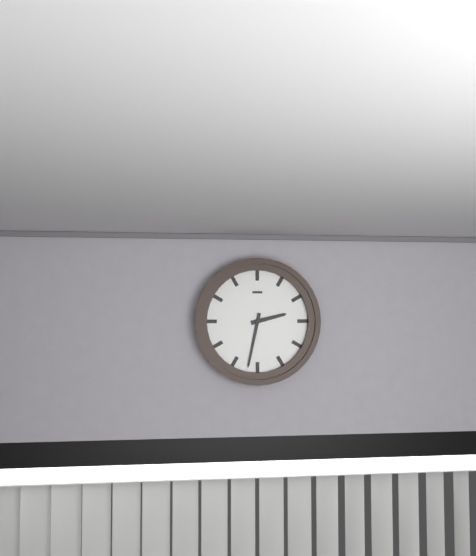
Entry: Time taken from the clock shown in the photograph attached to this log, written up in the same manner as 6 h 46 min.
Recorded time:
2 h 32 min
